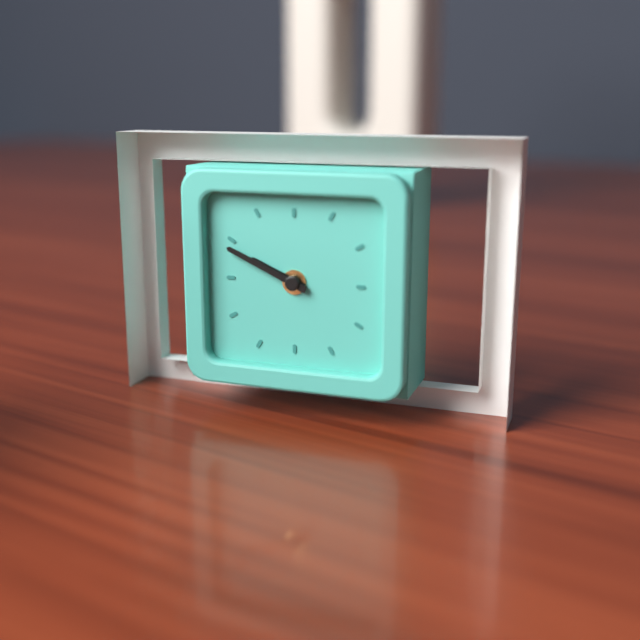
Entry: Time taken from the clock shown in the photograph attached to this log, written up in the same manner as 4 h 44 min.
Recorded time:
9 h 49 min
